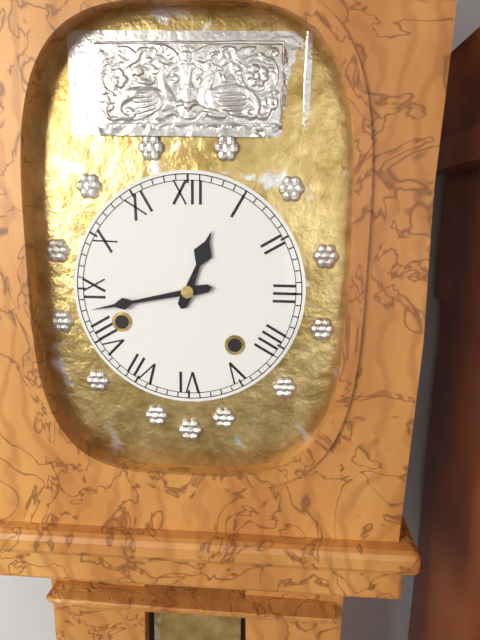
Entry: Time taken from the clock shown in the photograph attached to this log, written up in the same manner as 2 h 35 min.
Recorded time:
12 h 43 min
